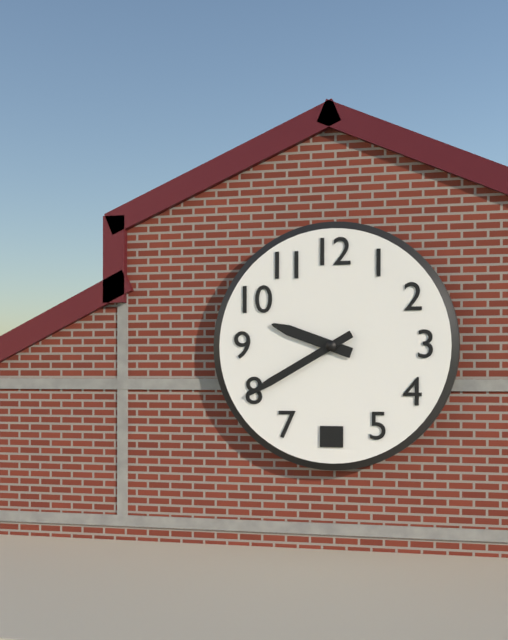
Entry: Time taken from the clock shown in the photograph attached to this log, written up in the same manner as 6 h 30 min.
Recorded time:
9 h 40 min
